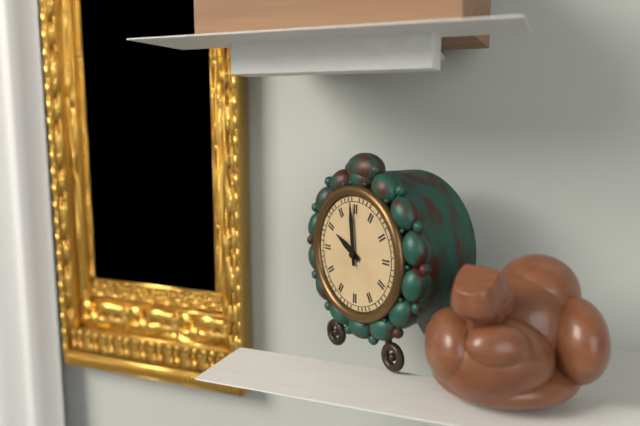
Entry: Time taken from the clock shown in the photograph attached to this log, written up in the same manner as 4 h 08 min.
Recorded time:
9 h 59 min
